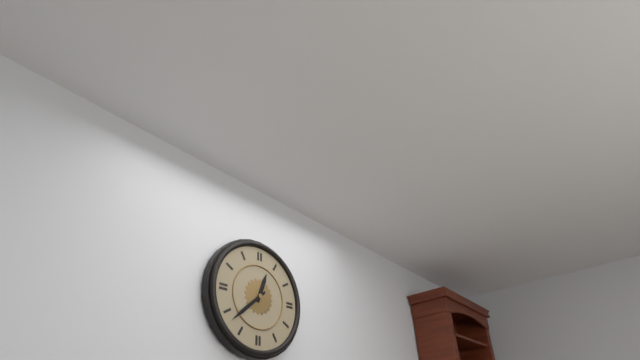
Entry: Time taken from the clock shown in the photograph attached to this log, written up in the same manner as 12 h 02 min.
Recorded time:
12 h 38 min
